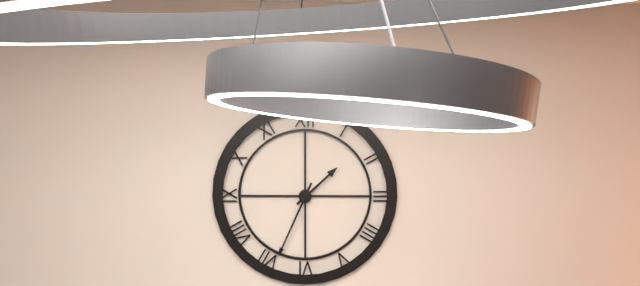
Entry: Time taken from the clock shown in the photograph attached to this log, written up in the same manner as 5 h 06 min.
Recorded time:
1 h 34 min
